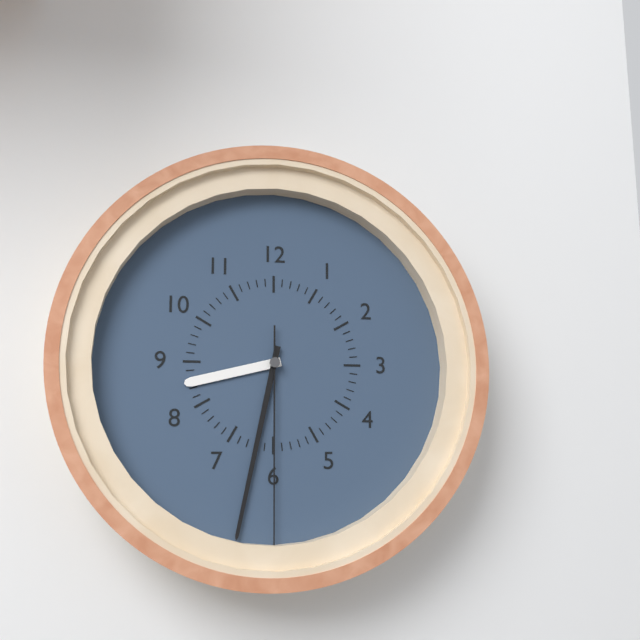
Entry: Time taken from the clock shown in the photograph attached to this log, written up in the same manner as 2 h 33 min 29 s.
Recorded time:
8 h 32 min 30 s
